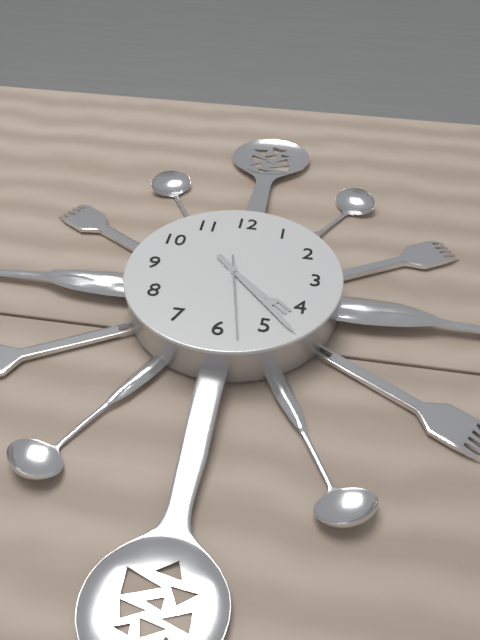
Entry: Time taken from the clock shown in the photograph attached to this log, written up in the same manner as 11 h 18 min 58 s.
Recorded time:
4 h 23 min 28 s
